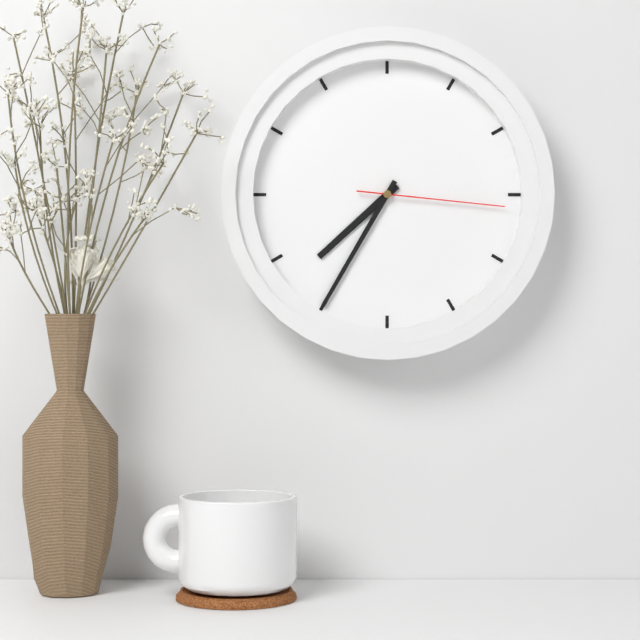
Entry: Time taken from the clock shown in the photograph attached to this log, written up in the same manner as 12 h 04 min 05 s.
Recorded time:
7 h 35 min 16 s
